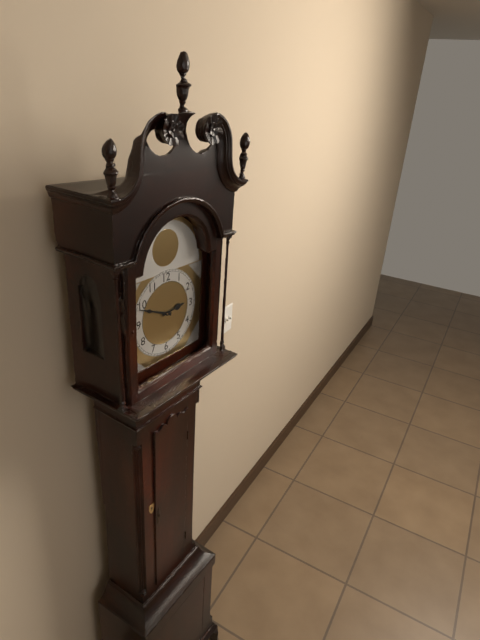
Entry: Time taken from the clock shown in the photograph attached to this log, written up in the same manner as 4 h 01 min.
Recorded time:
2 h 49 min
